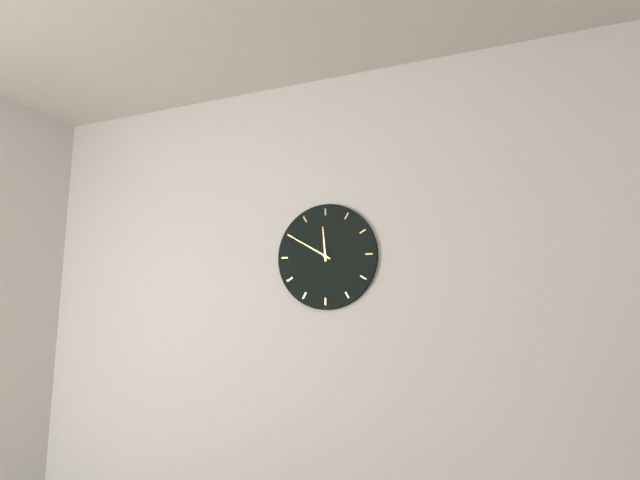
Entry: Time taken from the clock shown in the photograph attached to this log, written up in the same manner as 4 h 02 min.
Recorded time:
11 h 50 min
